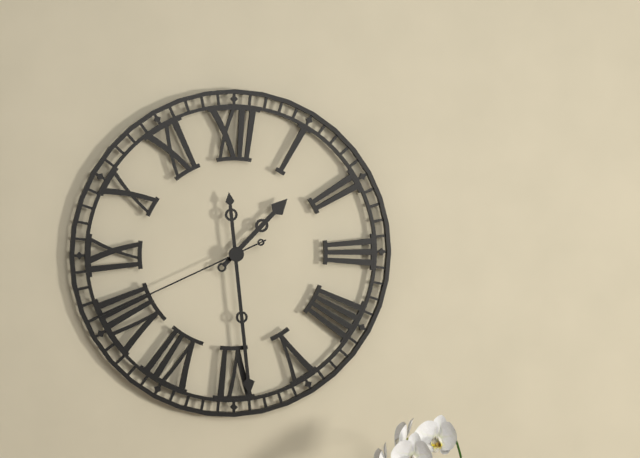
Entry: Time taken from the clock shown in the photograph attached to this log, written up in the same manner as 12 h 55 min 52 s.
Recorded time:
1 h 29 min 41 s
